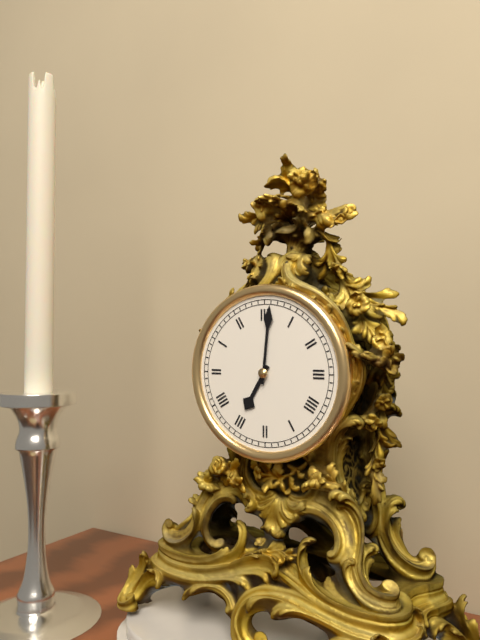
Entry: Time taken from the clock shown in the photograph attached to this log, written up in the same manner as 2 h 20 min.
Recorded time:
7 h 01 min
